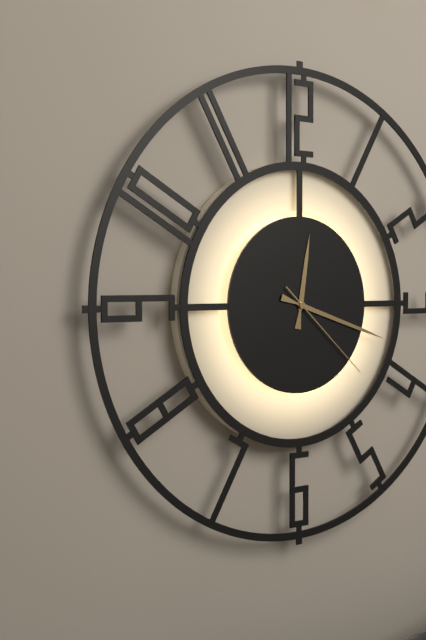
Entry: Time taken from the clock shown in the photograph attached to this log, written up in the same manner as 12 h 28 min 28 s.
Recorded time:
12 h 18 min 22 s
